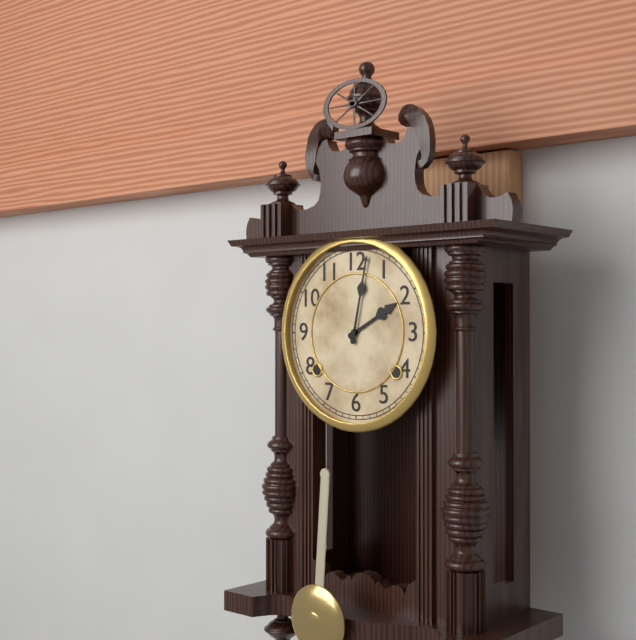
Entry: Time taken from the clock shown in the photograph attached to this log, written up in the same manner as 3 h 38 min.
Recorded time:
2 h 02 min
